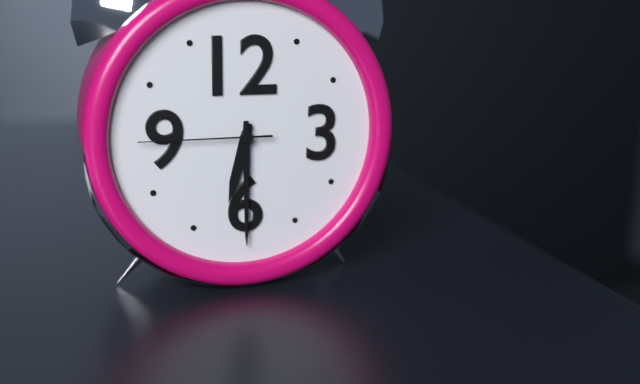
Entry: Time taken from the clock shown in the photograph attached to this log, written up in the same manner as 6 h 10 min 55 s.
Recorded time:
6 h 30 min 45 s
